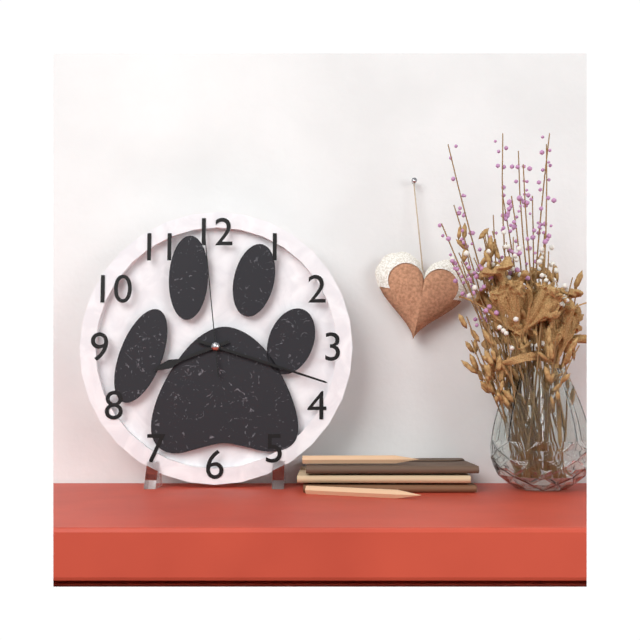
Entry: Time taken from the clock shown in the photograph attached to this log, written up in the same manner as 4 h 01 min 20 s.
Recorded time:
8 h 18 min 59 s
